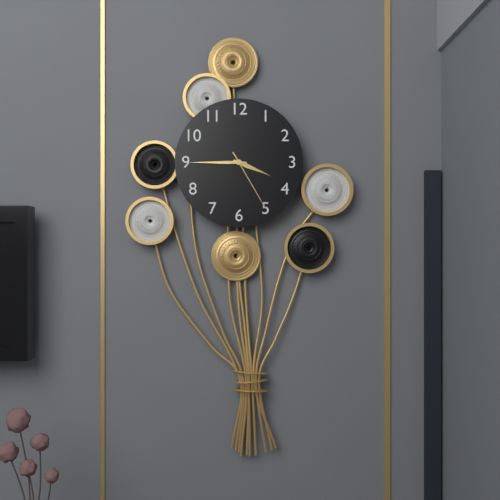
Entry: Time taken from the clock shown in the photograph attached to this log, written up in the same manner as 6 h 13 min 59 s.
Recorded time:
3 h 45 min 25 s
